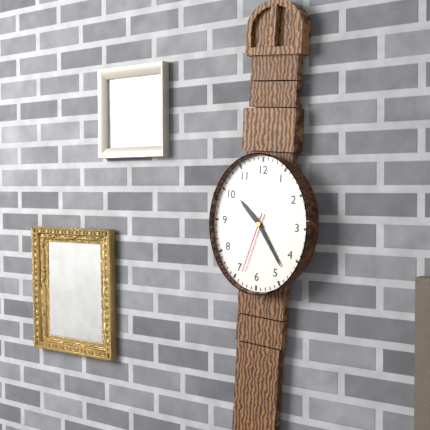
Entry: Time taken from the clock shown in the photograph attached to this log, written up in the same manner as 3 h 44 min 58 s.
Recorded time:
10 h 24 min 33 s
